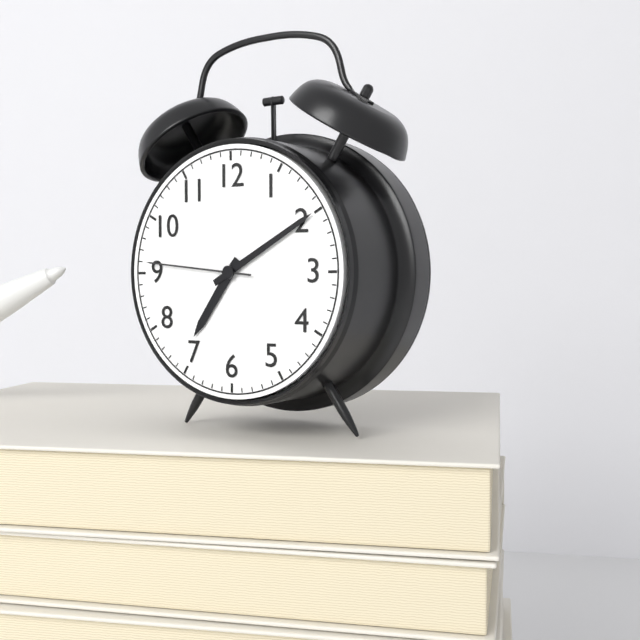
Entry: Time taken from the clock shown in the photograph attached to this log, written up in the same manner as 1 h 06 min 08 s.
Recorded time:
7 h 10 min 46 s
